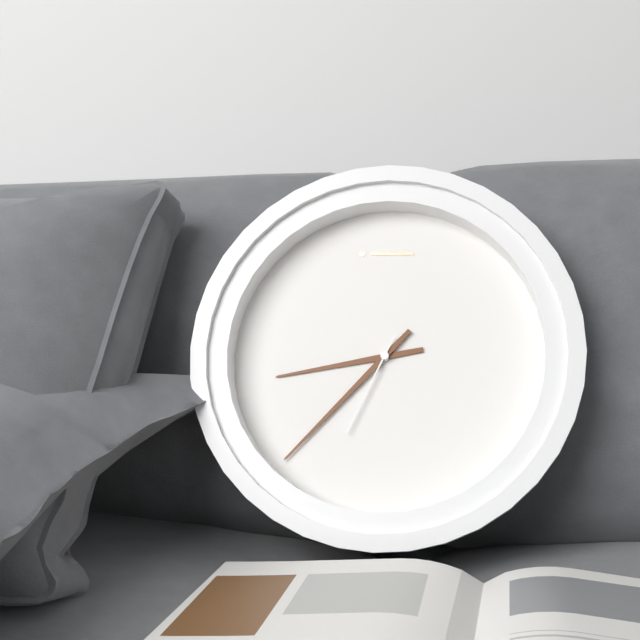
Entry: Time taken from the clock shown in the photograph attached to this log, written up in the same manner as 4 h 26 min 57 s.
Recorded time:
8 h 37 min 34 s
